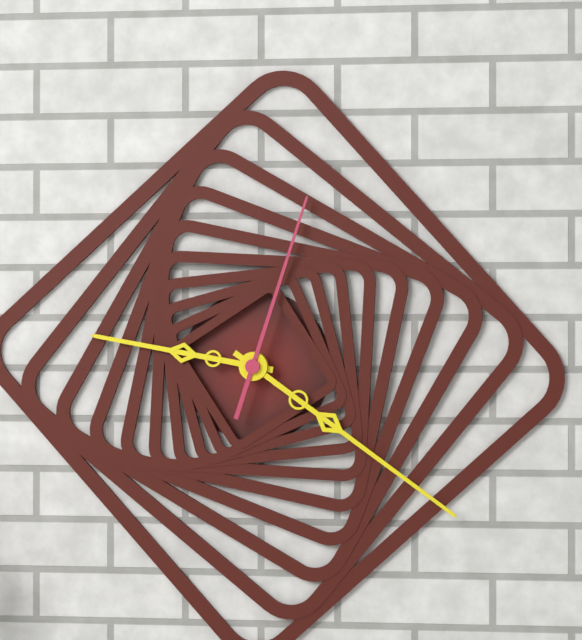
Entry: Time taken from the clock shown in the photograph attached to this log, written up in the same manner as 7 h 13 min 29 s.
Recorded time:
9 h 21 min 03 s
